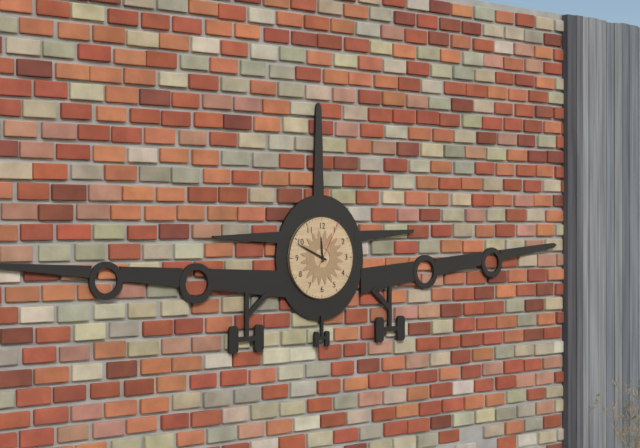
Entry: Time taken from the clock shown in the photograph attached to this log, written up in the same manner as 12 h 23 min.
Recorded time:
11 h 49 min
